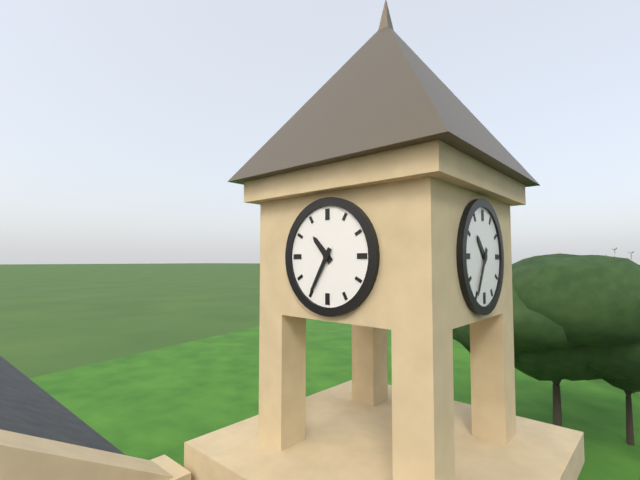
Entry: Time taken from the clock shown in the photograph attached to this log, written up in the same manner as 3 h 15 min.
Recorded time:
10 h 35 min
